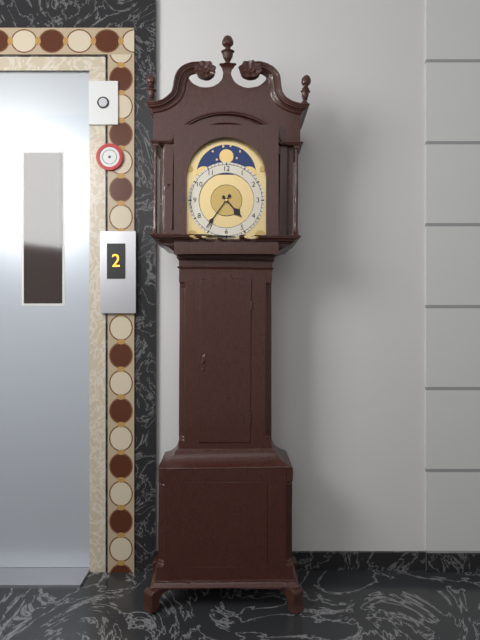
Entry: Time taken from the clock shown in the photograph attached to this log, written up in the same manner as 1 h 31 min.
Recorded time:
4 h 36 min
